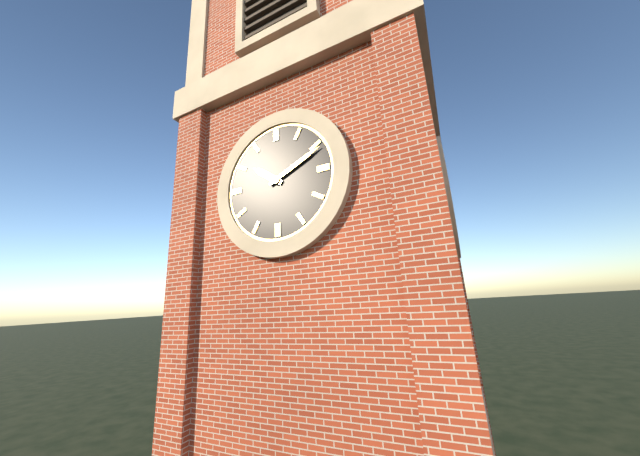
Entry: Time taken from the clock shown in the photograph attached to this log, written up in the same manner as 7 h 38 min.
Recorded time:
10 h 11 min
